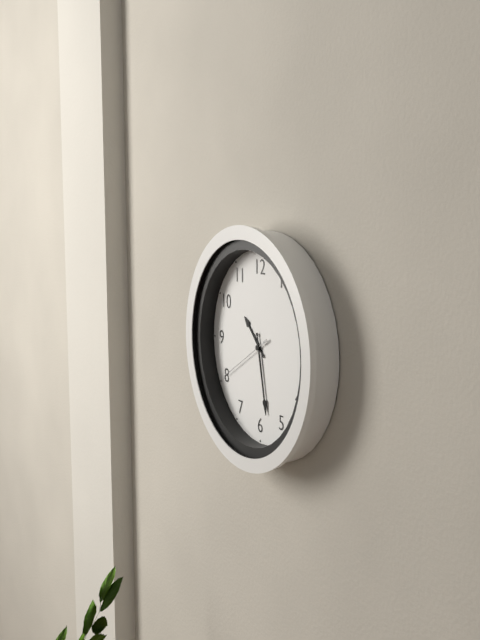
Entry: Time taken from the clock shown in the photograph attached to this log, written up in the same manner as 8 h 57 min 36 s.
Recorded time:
10 h 28 min 40 s
